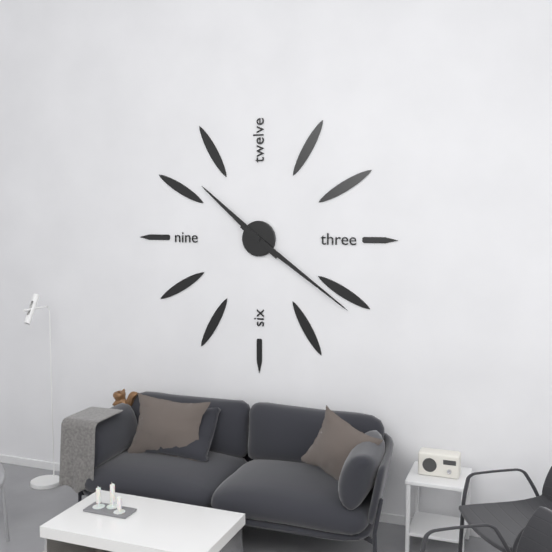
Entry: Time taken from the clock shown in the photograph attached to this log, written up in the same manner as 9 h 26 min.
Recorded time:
10 h 21 min
